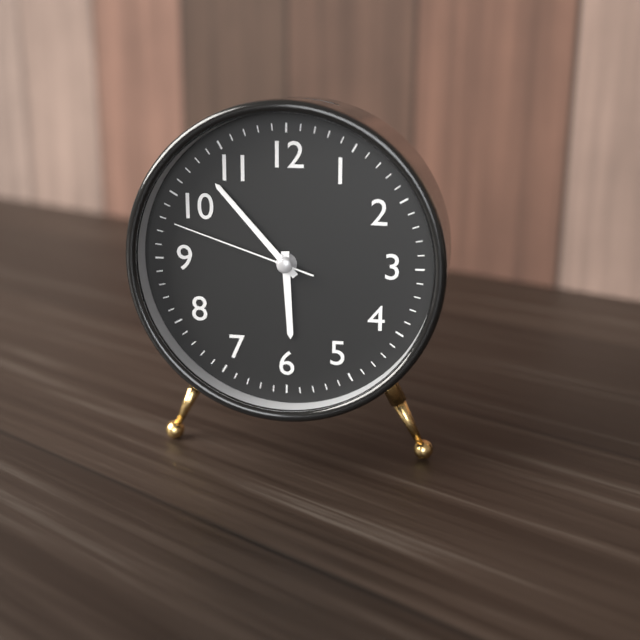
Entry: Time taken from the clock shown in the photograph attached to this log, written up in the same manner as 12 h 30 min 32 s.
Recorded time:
5 h 53 min 48 s
